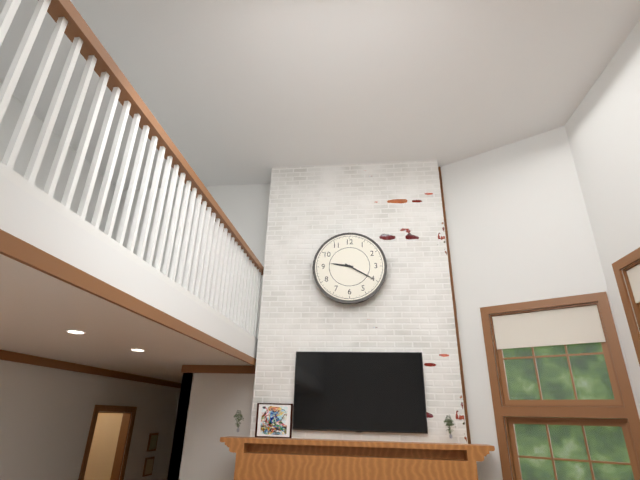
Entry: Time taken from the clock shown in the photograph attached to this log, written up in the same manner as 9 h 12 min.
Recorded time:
9 h 20 min
